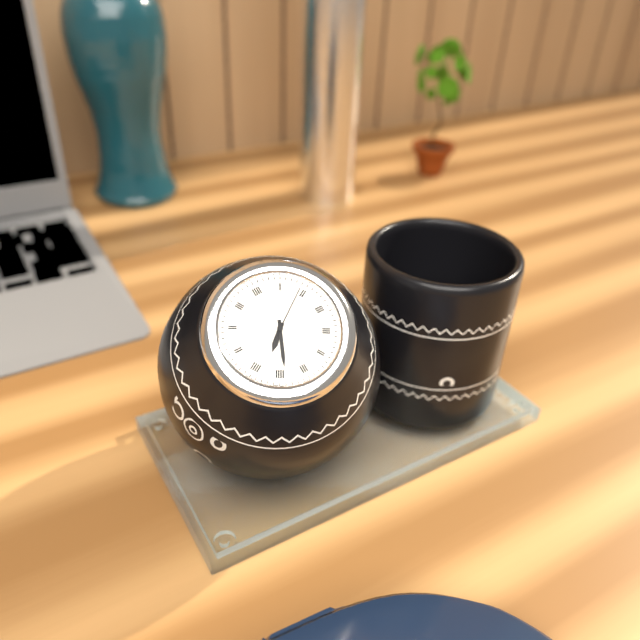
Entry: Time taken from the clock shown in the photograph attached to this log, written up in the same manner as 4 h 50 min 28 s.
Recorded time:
7 h 34 min 09 s
